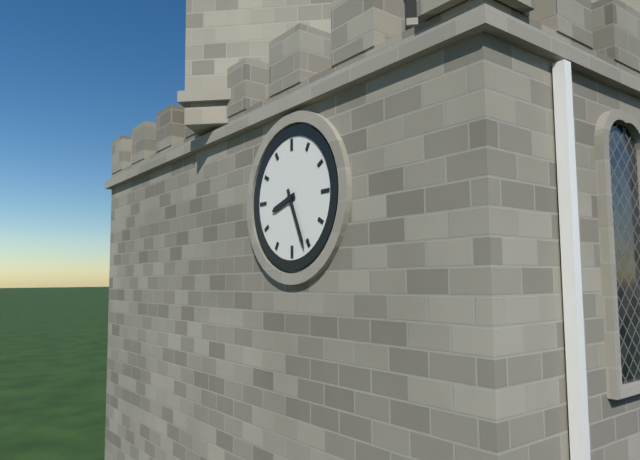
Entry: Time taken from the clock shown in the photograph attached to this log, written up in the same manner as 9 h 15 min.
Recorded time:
8 h 26 min
